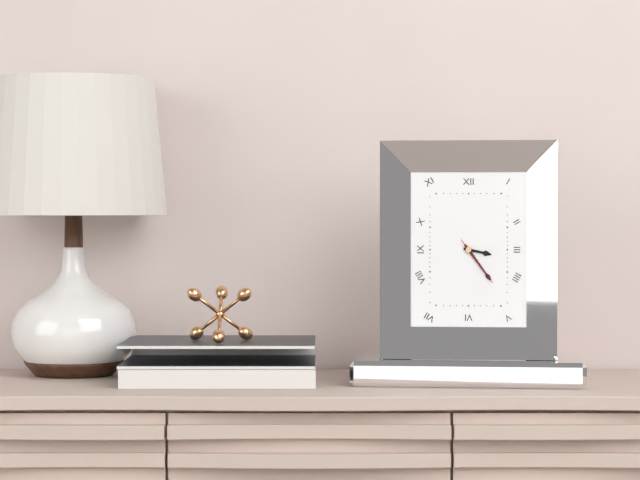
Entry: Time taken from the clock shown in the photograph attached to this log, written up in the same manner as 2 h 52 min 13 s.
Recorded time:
3 h 24 min 24 s
